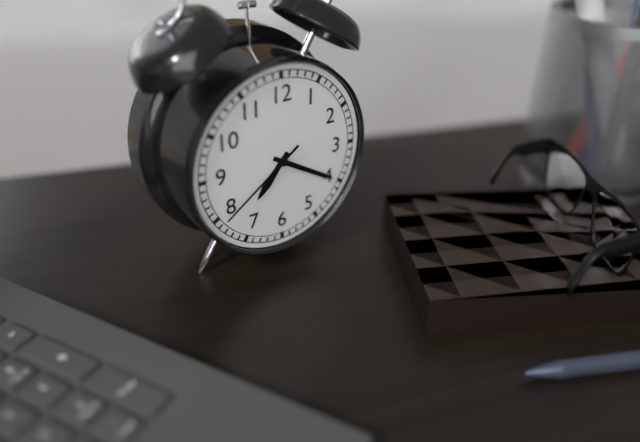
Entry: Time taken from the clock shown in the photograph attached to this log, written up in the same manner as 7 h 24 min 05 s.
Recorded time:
7 h 20 min 39 s
